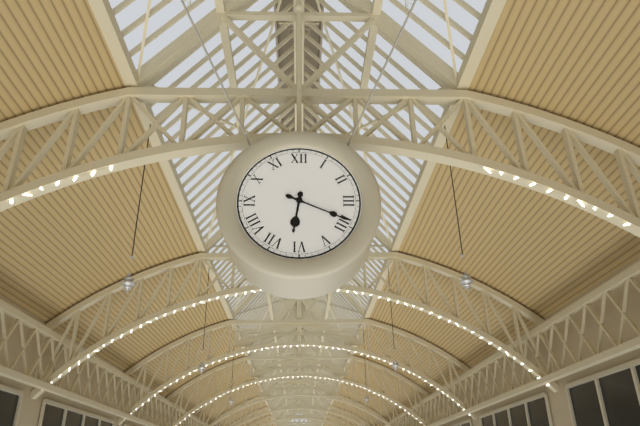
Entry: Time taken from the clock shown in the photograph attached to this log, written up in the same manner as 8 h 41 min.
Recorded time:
6 h 19 min
